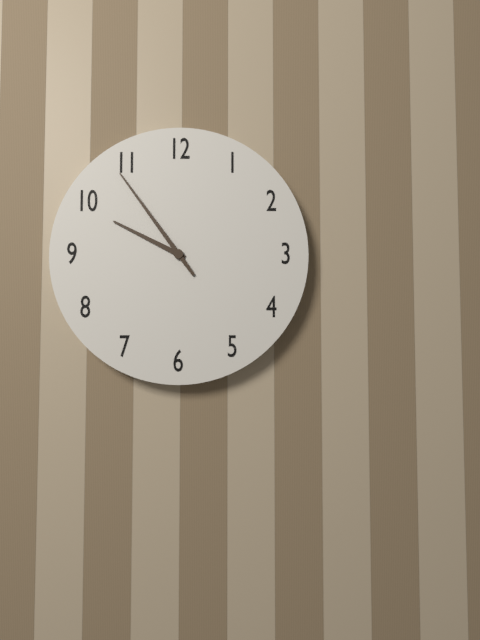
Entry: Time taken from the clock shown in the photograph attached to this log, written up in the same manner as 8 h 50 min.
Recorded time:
9 h 54 min
